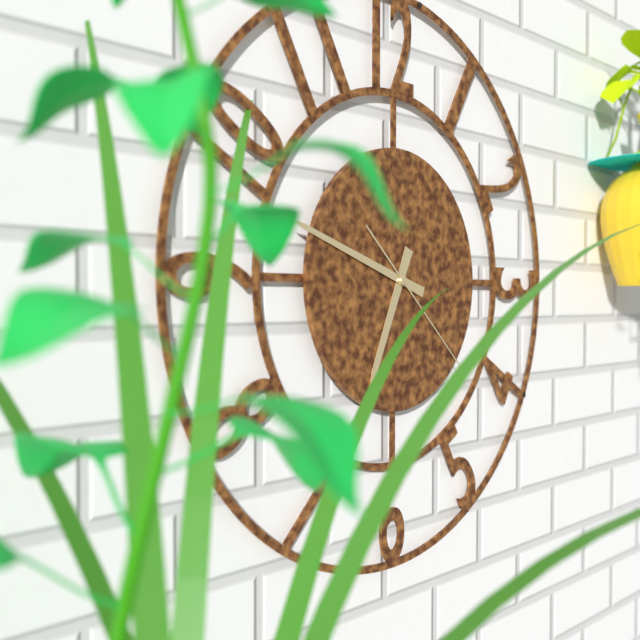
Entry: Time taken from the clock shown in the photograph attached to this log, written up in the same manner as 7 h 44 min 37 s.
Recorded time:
6 h 48 min 22 s
